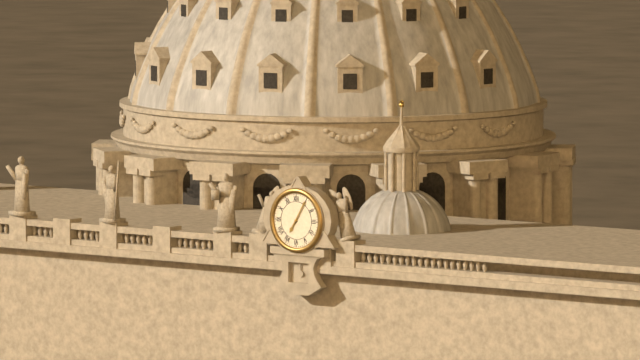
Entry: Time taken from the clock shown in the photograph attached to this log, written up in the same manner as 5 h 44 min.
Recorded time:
7 h 05 min
